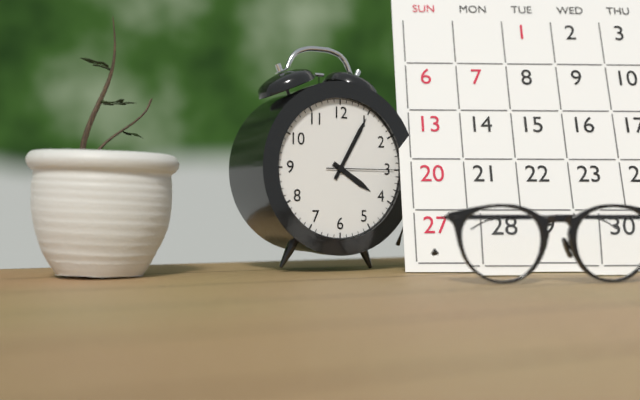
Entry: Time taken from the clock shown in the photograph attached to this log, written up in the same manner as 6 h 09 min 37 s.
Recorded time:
4 h 05 min 15 s
